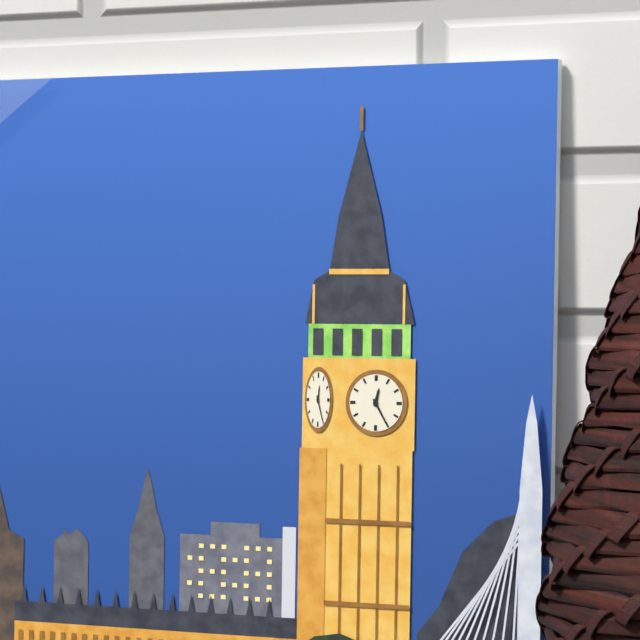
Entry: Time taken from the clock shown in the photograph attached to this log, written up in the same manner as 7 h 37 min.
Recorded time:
12 h 25 min
